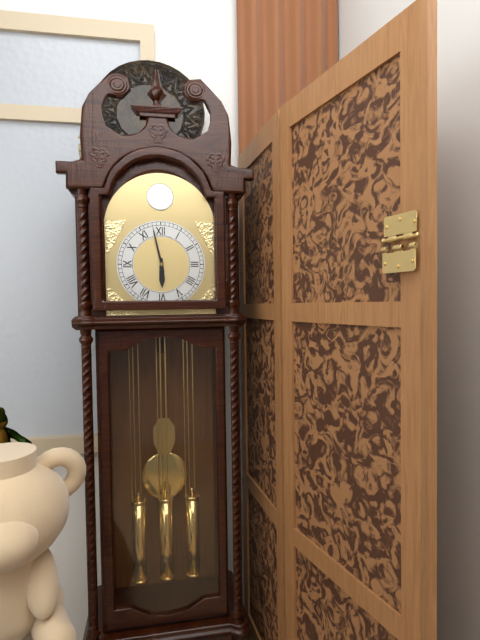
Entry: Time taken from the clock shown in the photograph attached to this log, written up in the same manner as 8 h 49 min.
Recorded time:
5 h 58 min
